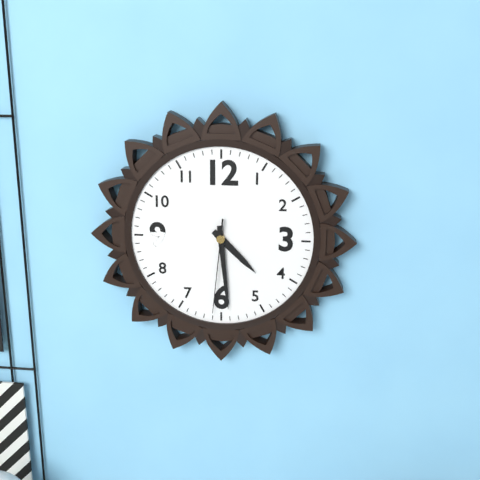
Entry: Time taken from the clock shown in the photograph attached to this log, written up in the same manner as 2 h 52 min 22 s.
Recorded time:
4 h 29 min 31 s
